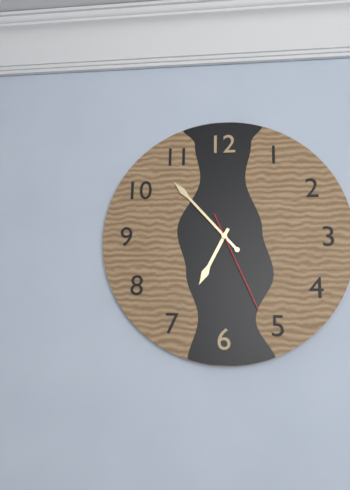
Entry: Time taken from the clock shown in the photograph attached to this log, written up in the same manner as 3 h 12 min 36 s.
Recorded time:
6 h 53 min 26 s
